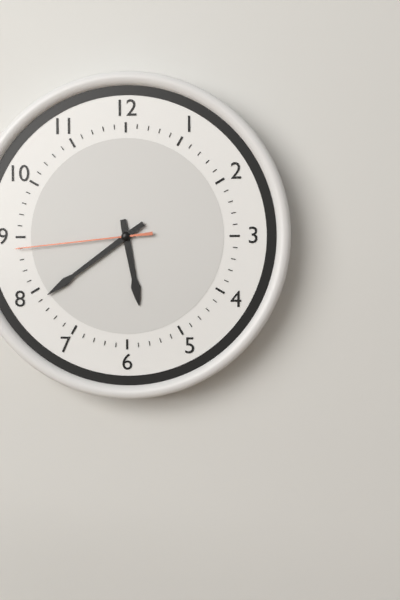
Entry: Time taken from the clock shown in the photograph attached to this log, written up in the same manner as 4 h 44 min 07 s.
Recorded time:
5 h 39 min 44 s
